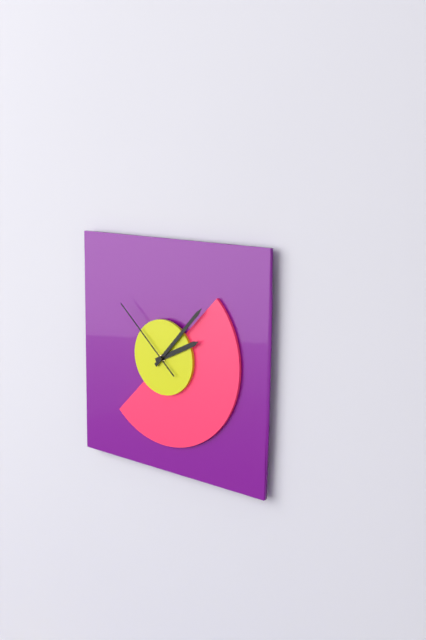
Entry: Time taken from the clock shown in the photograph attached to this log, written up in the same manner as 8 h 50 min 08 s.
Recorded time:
2 h 07 min 52 s
